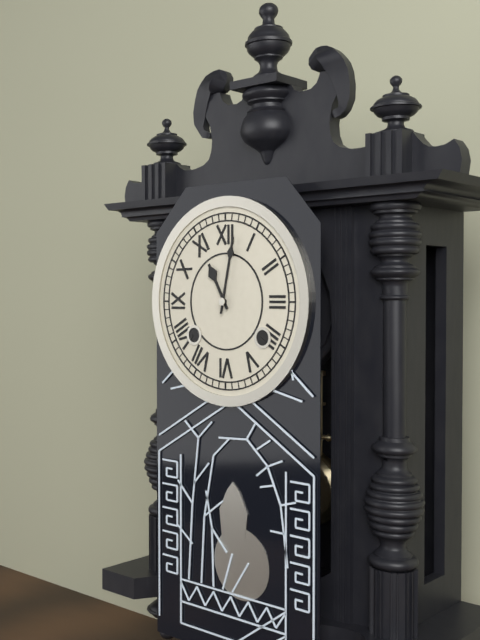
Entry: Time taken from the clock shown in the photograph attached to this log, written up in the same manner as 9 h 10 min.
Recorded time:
11 h 02 min
